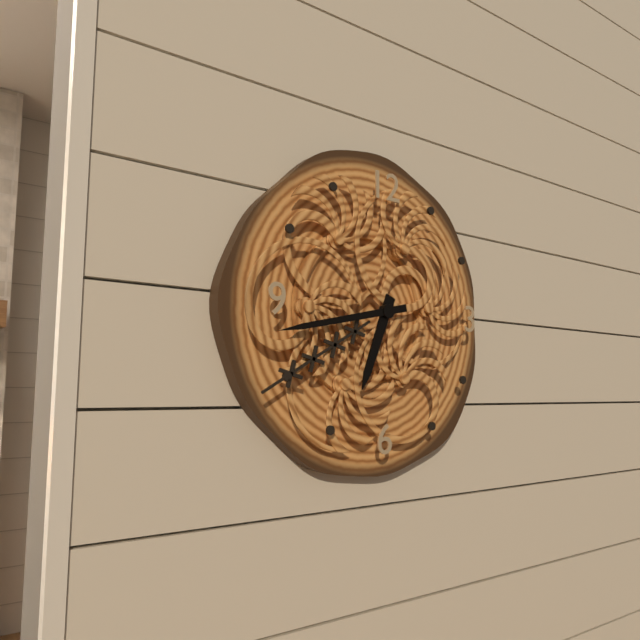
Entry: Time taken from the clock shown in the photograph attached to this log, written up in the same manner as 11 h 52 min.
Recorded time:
6 h 43 min
